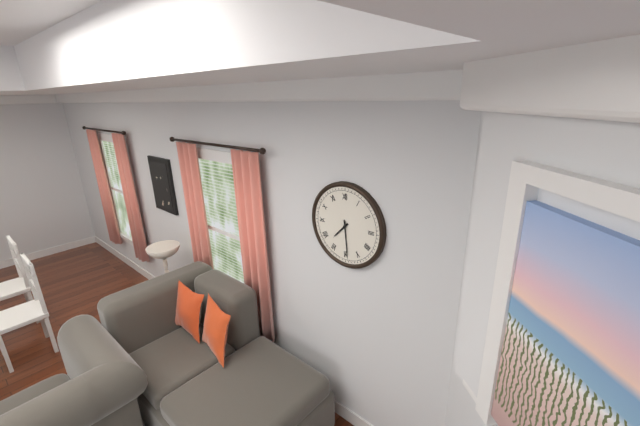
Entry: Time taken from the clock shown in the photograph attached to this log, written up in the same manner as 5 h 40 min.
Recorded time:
7 h 29 min
